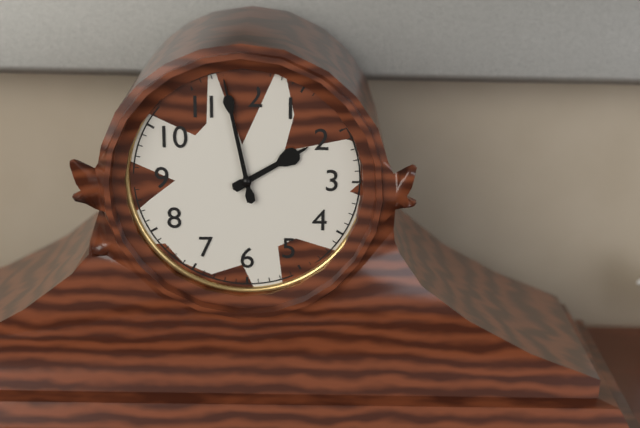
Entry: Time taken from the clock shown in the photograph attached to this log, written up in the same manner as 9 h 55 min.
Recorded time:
1 h 58 min
